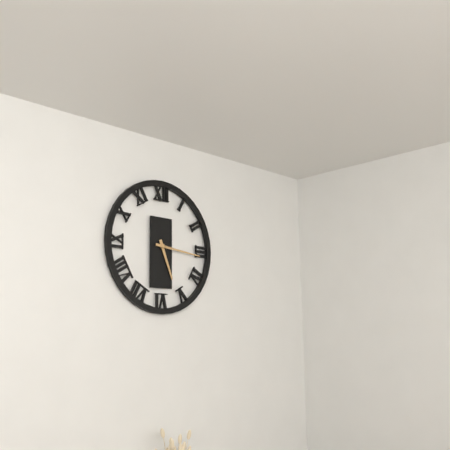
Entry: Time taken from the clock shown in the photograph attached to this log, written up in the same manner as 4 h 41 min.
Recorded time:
5 h 16 min
